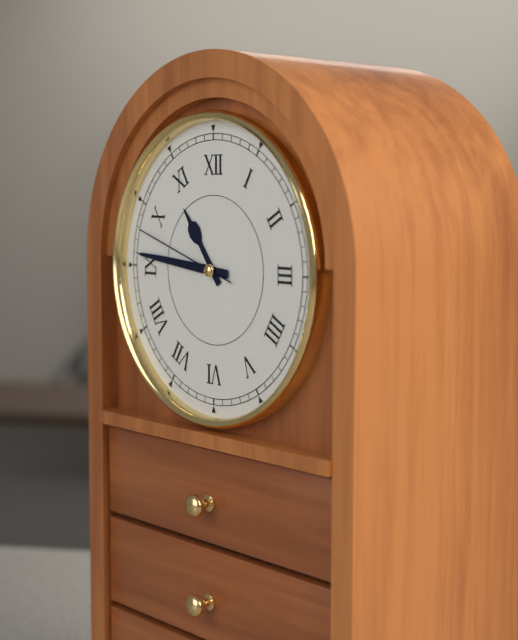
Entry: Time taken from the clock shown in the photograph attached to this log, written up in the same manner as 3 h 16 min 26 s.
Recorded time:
10 h 46 min 48 s
